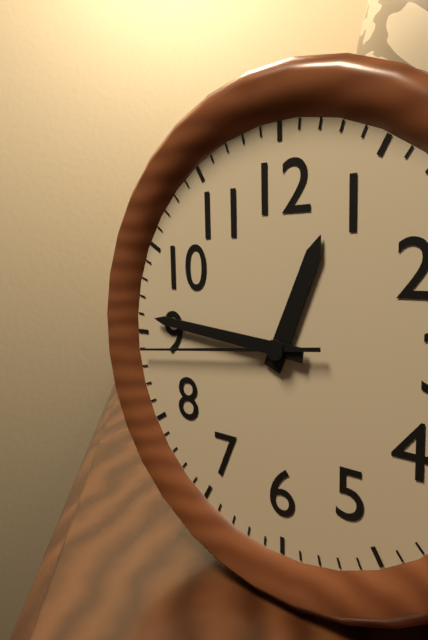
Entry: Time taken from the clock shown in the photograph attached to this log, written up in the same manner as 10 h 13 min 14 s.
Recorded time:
12 h 46 min 44 s
